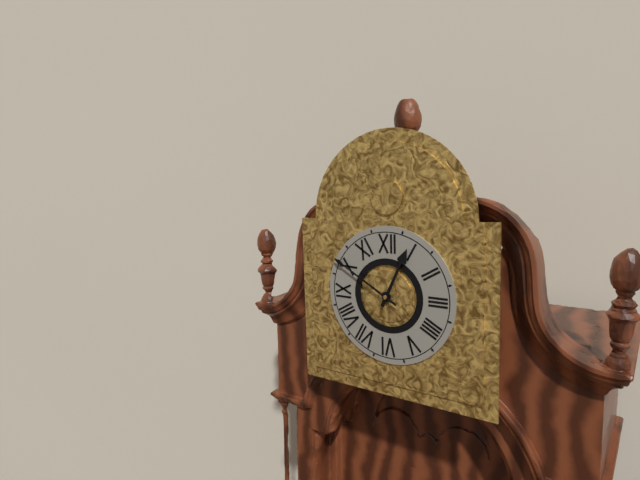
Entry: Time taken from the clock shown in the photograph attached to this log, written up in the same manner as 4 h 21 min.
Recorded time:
12 h 50 min
